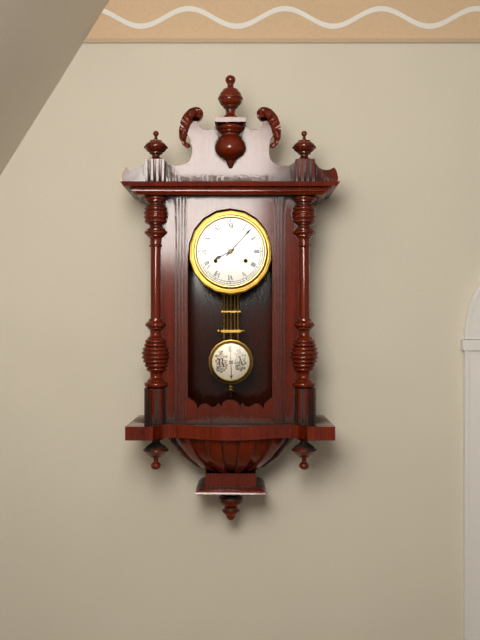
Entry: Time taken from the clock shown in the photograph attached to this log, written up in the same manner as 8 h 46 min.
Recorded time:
8 h 07 min
